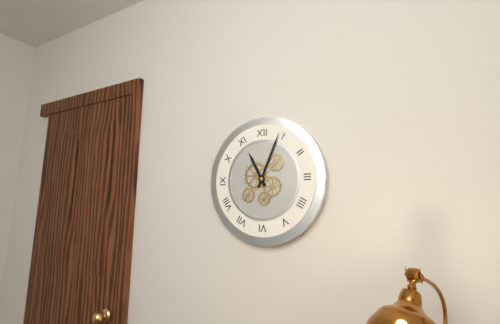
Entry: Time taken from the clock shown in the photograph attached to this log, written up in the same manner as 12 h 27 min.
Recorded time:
11 h 04 min
